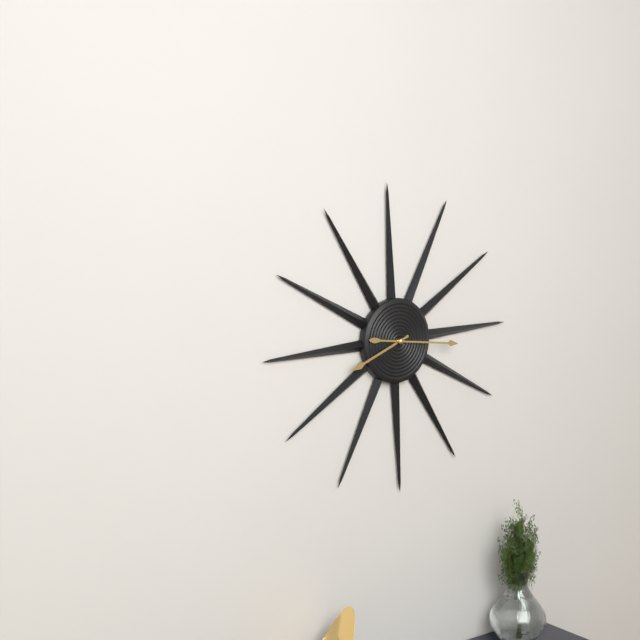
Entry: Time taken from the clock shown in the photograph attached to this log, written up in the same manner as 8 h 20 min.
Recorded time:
8 h 16 min
